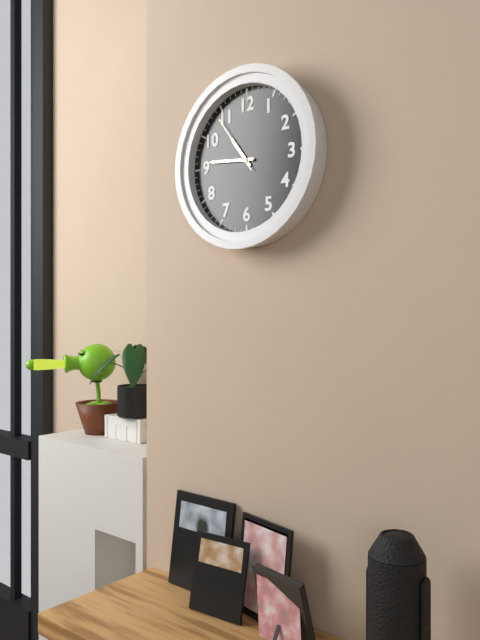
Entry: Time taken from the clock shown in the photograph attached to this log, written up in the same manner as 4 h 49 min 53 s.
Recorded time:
10 h 46 min 54 s
